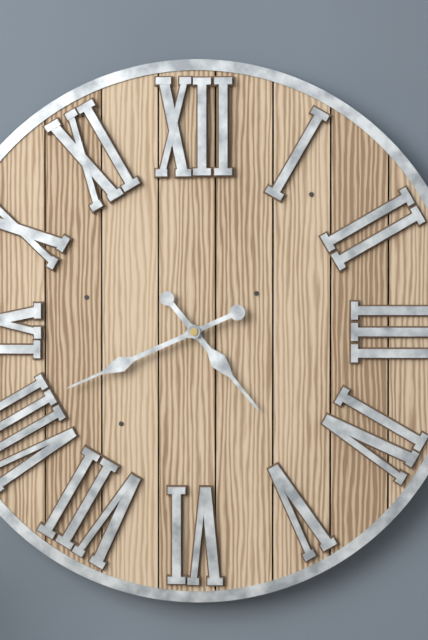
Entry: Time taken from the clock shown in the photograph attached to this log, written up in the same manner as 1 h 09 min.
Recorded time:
4 h 41 min
